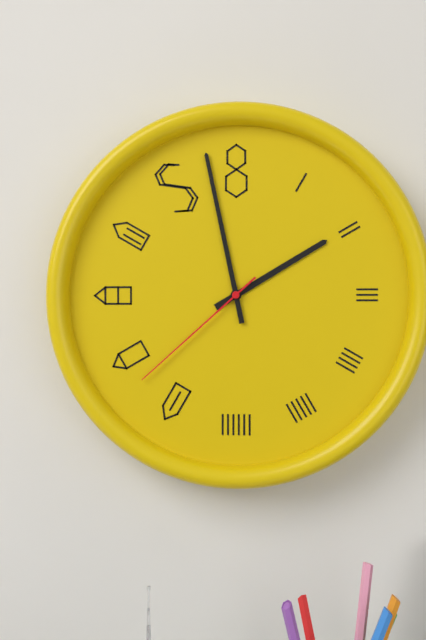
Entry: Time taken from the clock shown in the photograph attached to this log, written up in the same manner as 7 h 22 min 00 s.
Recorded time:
1 h 58 min 38 s
